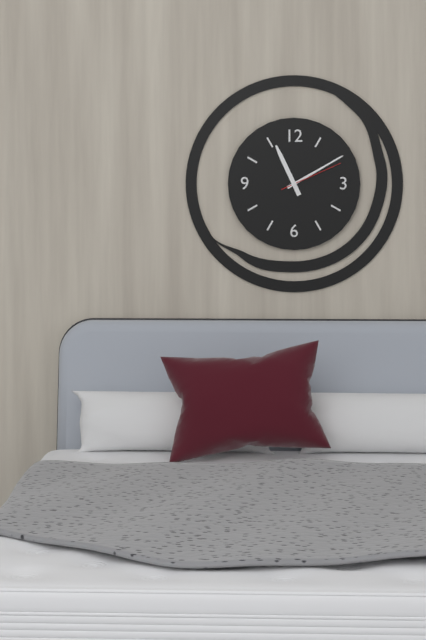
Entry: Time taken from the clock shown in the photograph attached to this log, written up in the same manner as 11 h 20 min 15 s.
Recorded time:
11 h 10 min 11 s
